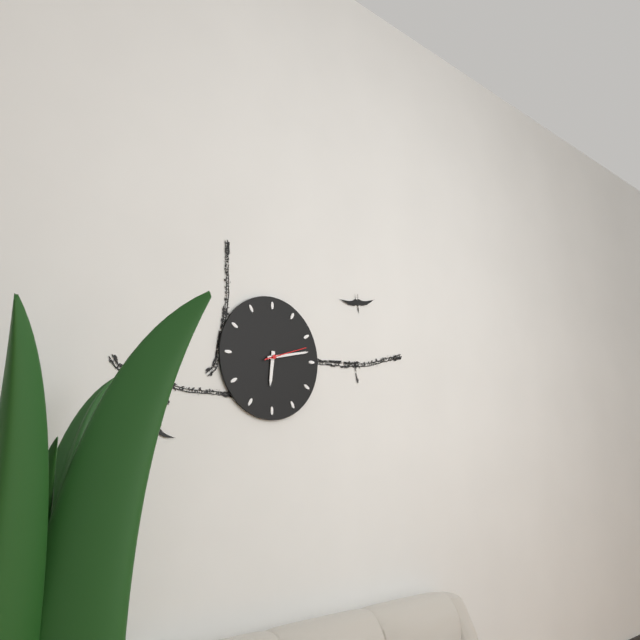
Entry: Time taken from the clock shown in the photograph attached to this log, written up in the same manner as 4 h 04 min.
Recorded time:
6 h 13 min
